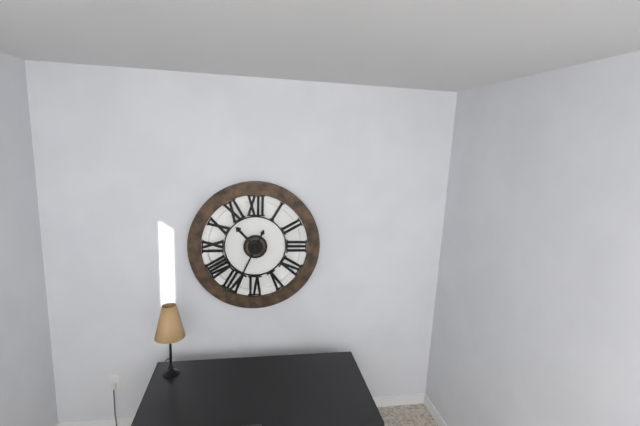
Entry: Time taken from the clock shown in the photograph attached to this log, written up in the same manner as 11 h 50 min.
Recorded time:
10 h 34 min
